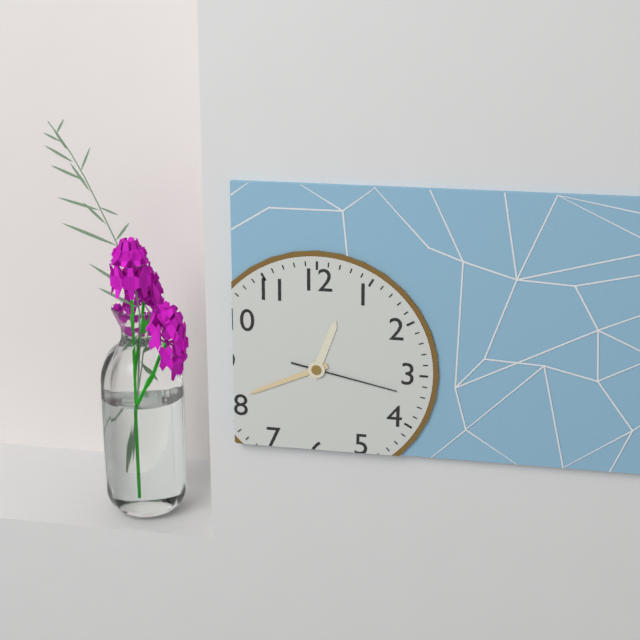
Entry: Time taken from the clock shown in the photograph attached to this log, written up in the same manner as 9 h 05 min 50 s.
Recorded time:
12 h 41 min 17 s
